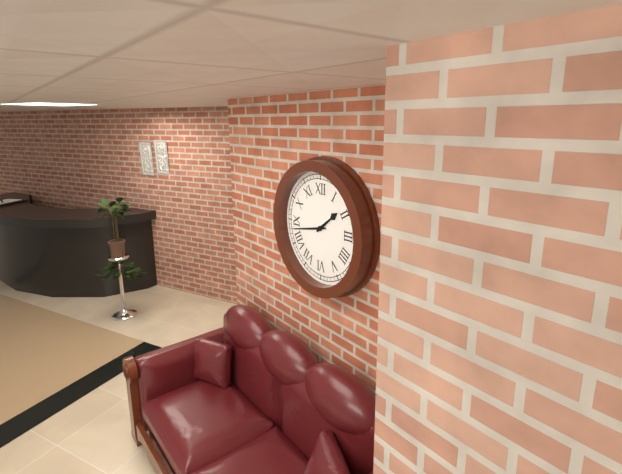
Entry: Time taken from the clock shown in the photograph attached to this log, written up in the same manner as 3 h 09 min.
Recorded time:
1 h 43 min
